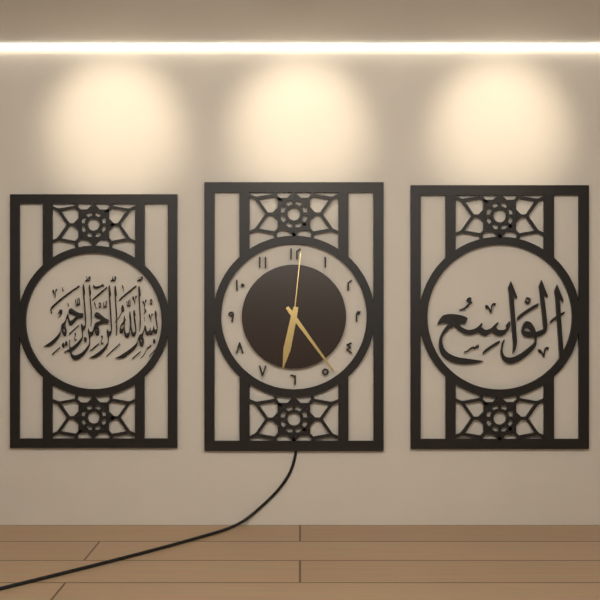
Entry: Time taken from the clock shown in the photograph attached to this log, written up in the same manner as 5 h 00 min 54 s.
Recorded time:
6 h 24 min 01 s
